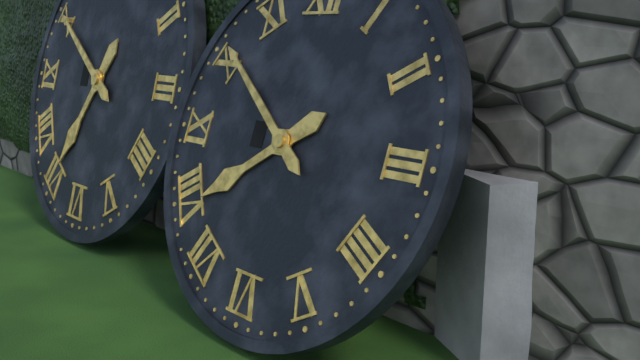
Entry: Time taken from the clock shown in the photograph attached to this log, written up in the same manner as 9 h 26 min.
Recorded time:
7 h 51 min
